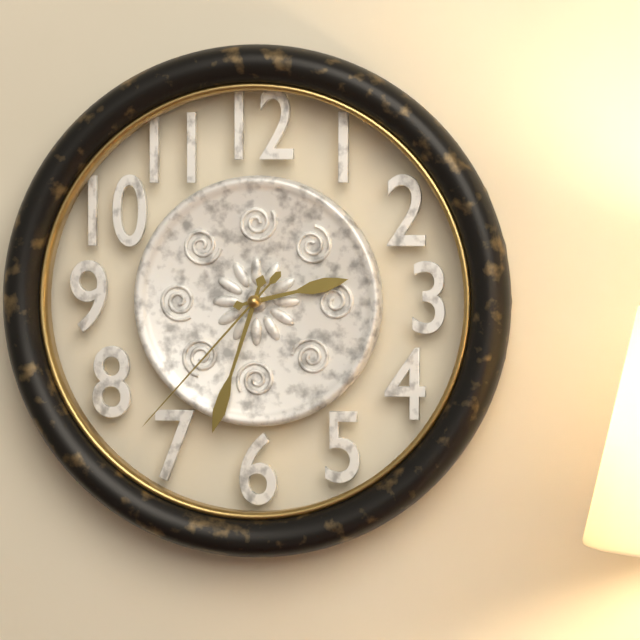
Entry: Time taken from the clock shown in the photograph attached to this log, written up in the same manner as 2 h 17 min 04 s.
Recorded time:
2 h 33 min 37 s
